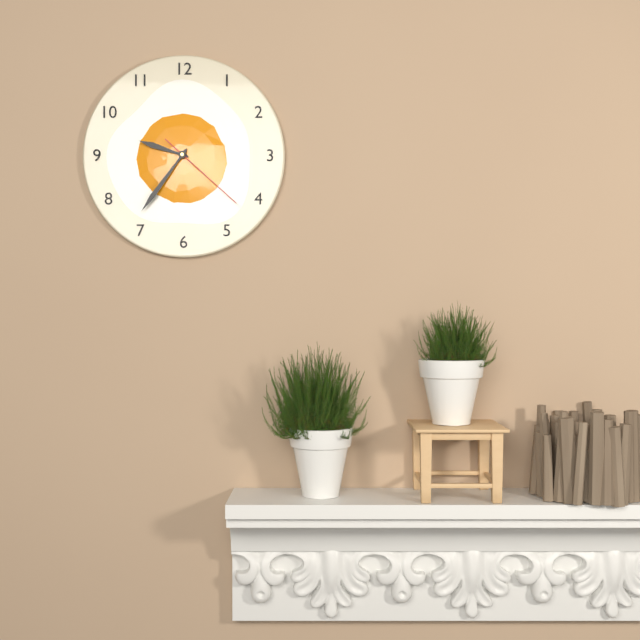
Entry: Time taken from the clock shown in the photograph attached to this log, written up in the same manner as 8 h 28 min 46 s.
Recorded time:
9 h 36 min 22 s
